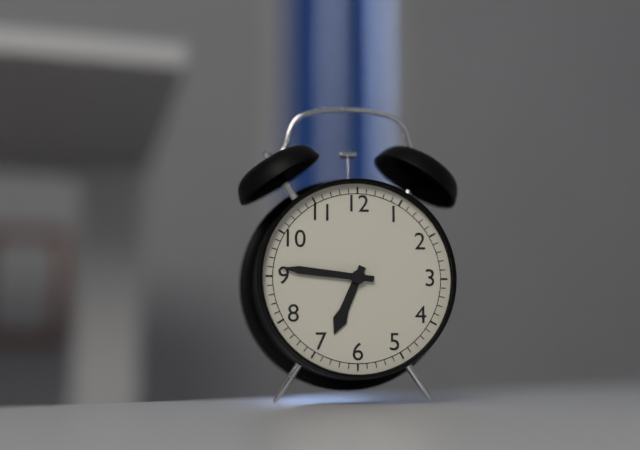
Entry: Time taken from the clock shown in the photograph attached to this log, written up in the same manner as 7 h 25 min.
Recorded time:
6 h 46 min
